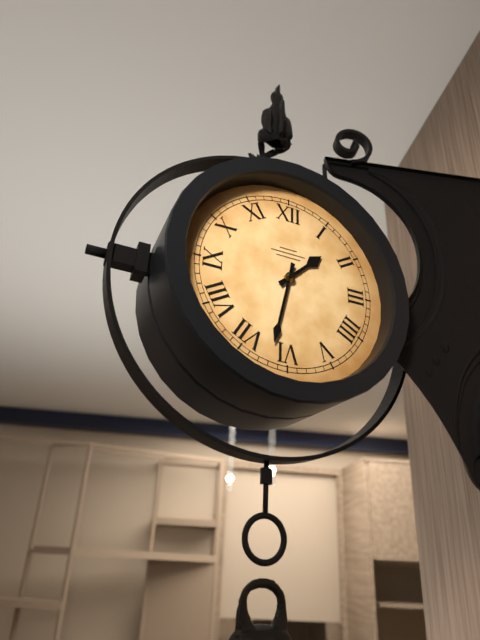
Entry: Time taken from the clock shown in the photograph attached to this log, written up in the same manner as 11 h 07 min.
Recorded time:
1 h 32 min
